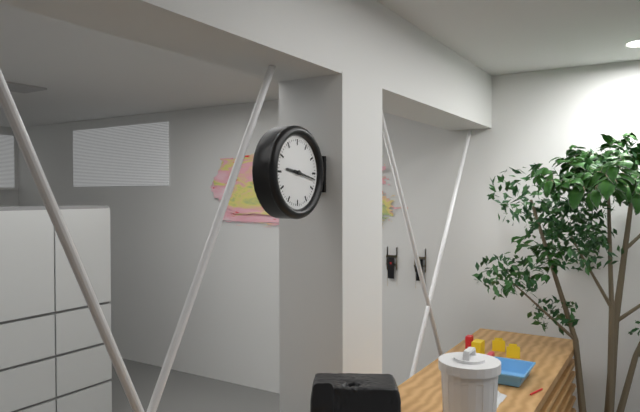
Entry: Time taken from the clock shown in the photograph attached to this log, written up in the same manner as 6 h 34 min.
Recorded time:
9 h 17 min
